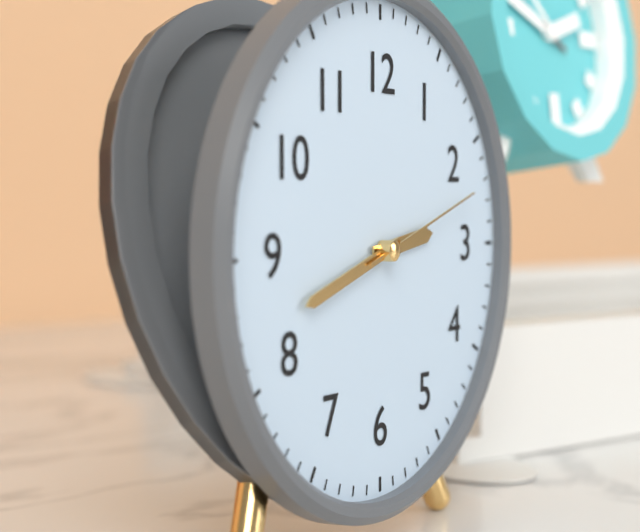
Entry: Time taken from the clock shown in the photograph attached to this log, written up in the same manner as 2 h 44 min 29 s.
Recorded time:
2 h 42 min 12 s
